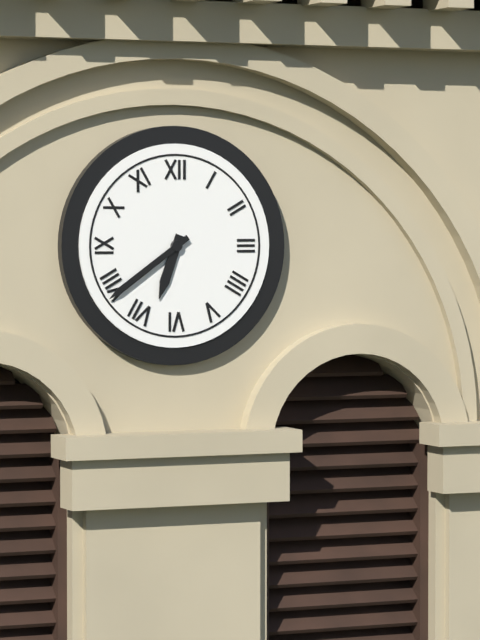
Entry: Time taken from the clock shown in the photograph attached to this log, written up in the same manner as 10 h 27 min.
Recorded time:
6 h 39 min
